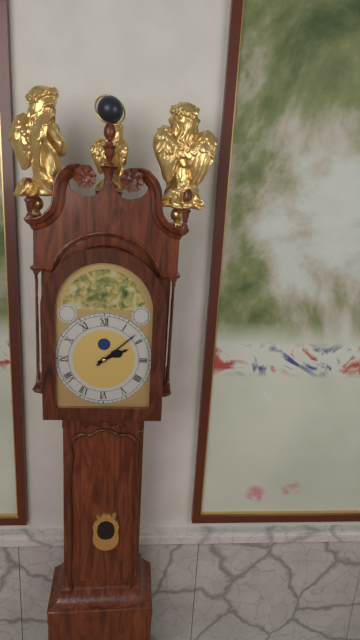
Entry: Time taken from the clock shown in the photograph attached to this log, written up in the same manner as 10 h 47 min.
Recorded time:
2 h 08 min
